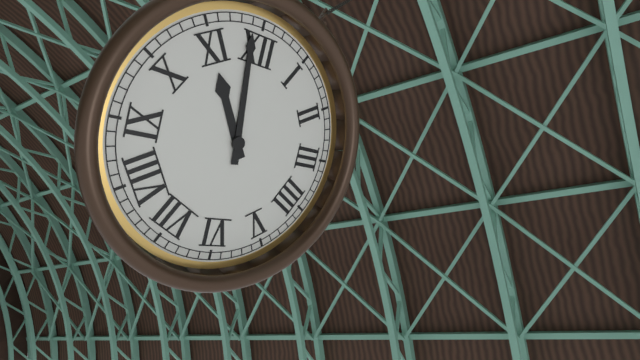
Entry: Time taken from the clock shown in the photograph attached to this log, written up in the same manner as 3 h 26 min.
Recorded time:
10 h 59 min
